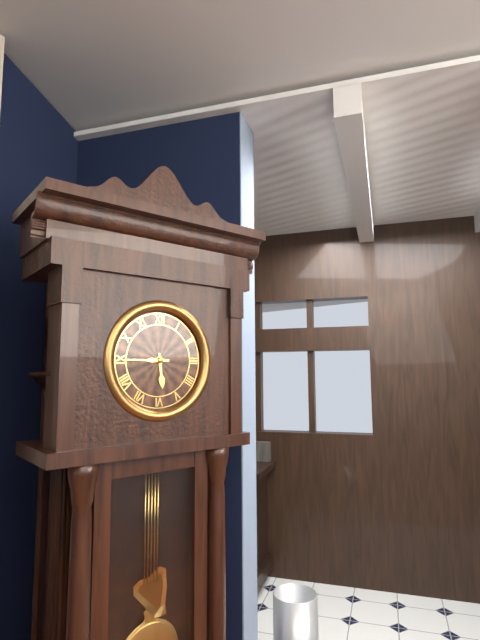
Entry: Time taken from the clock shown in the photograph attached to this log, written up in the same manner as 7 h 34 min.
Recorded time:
5 h 45 min
